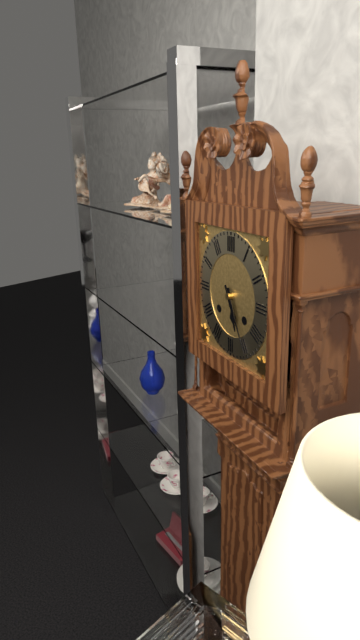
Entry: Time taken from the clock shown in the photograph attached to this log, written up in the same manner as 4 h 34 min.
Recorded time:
5 h 25 min
